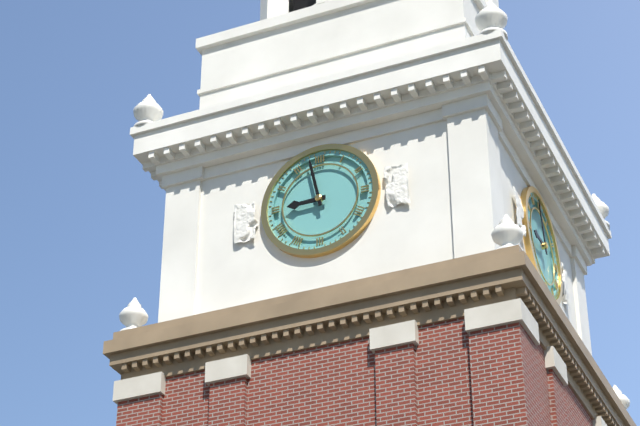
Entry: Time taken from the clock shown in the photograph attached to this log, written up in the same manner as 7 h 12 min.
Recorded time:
8 h 58 min
